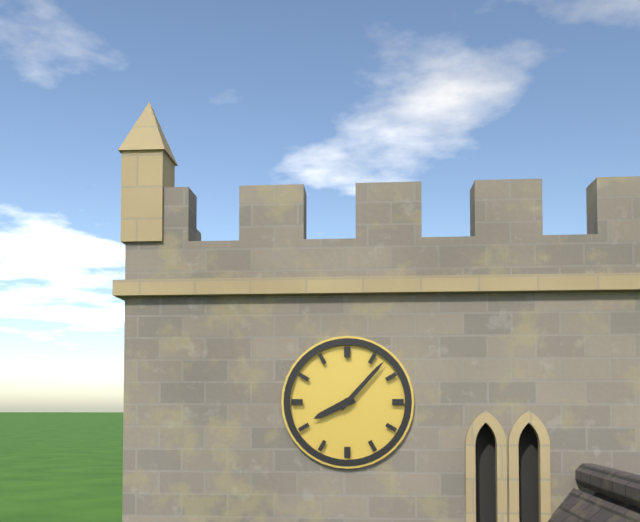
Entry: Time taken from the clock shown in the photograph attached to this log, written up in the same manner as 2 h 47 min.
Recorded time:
8 h 07 min
